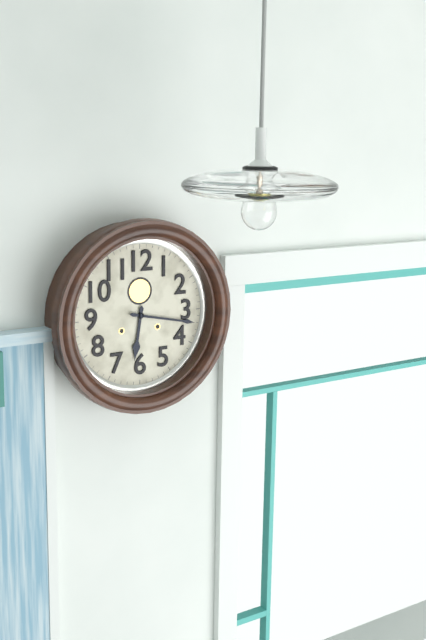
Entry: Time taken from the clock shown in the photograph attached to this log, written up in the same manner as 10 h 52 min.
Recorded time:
6 h 17 min
